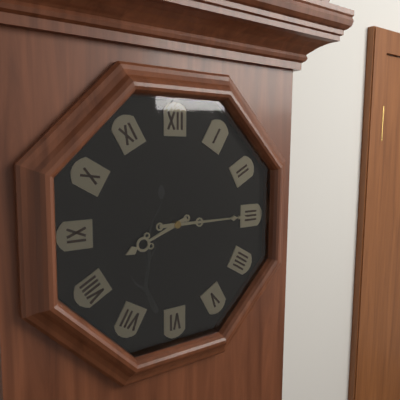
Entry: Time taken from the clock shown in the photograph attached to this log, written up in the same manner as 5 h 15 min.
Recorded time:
8 h 15 min
